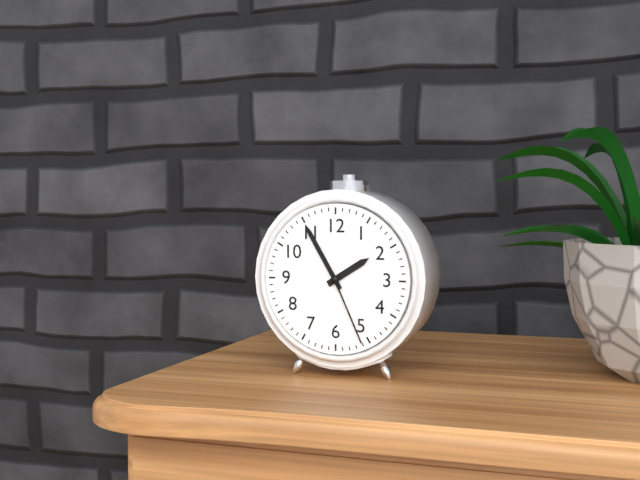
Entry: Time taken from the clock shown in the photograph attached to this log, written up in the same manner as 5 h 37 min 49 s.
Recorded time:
1 h 55 min 26 s
